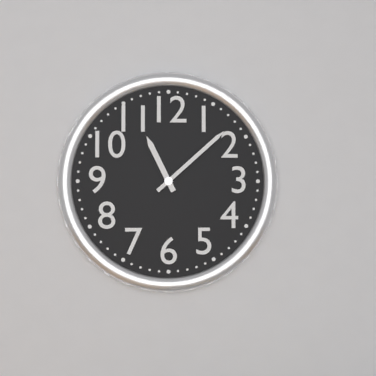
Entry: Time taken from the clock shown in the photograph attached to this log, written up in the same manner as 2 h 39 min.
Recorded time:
11 h 08 min
